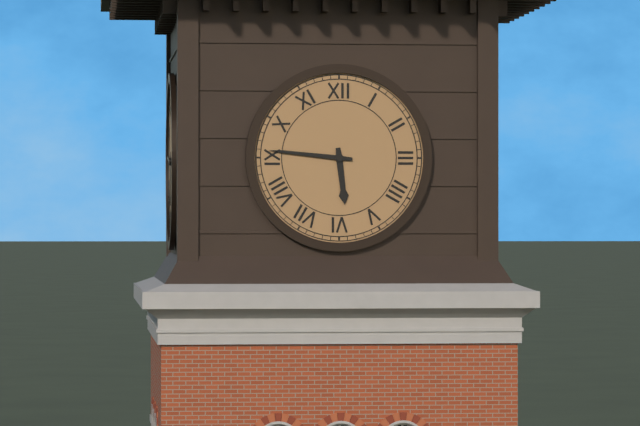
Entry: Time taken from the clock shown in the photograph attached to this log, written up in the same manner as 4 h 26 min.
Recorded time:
5 h 46 min
